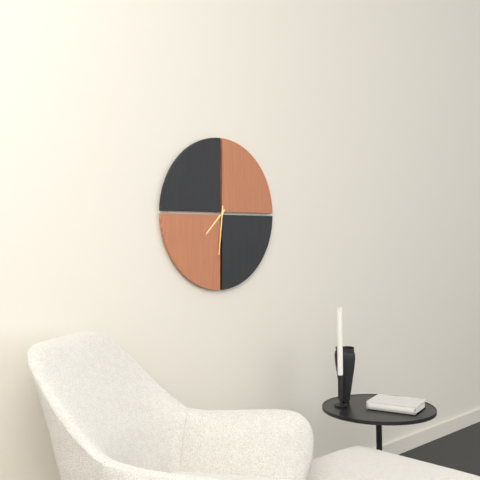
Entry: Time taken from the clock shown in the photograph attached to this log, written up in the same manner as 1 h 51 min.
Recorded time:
7 h 31 min
